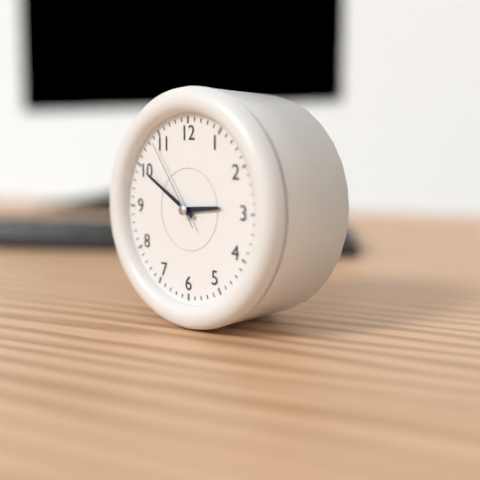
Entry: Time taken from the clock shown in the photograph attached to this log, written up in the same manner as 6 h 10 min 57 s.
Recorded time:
2 h 50 min 54 s
